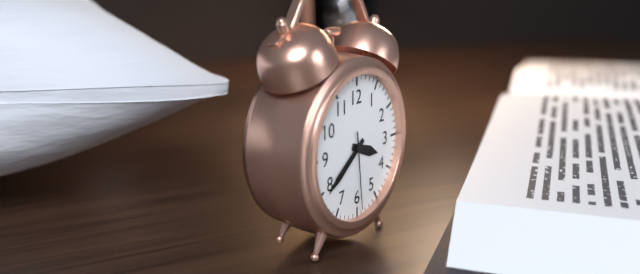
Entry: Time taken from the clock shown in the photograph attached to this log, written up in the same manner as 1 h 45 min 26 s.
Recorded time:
3 h 39 min 29 s
